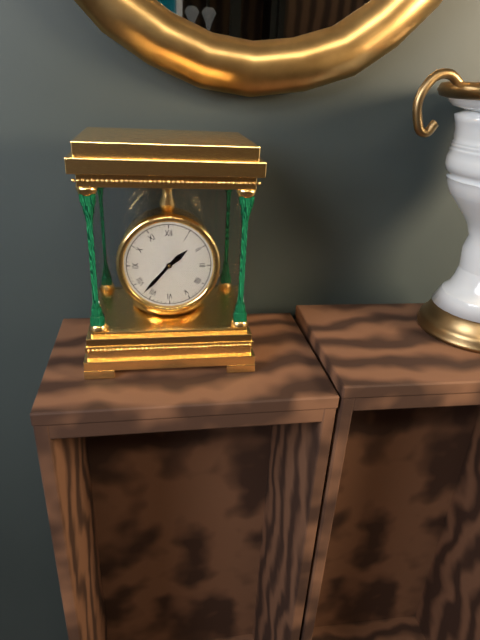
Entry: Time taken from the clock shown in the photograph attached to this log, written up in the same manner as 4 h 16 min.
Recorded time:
1 h 37 min
